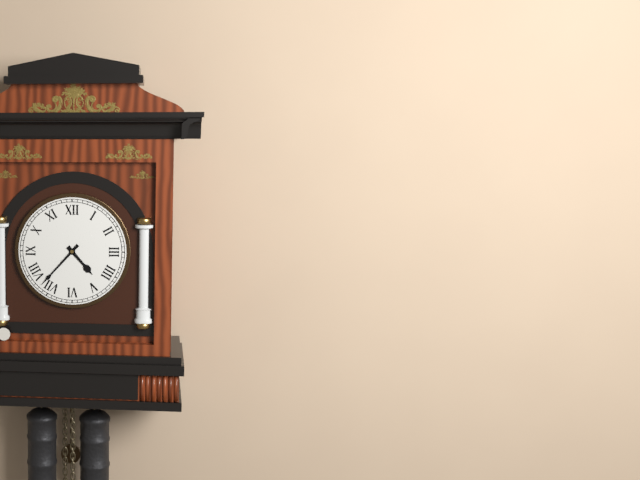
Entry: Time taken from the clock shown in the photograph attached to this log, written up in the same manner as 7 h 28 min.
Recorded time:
4 h 37 min
